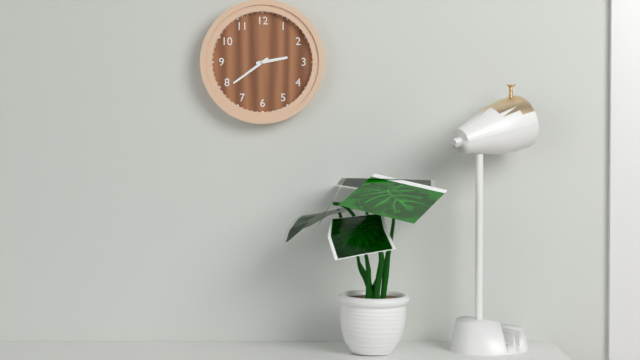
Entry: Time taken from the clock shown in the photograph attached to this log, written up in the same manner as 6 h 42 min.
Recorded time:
2 h 39 min
